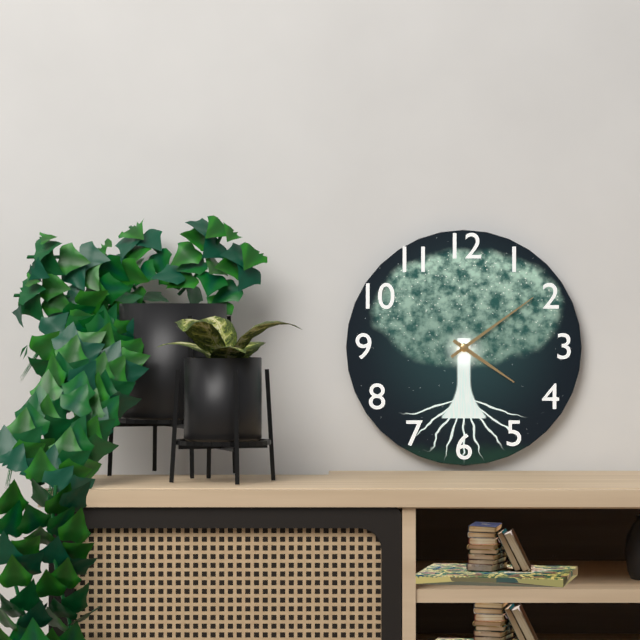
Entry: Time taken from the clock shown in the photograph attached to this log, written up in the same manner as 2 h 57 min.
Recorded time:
4 h 09 min
